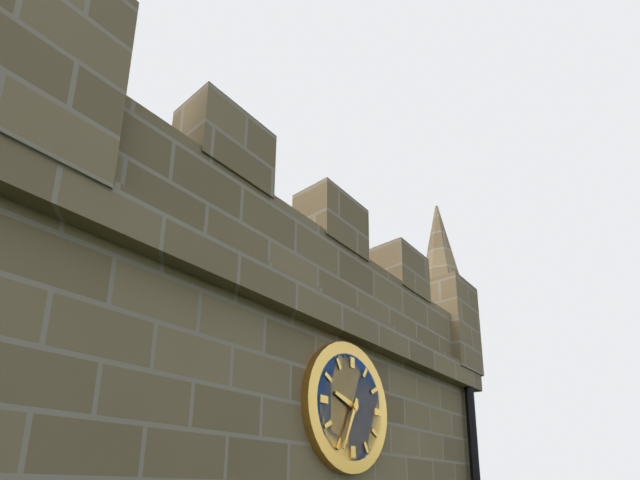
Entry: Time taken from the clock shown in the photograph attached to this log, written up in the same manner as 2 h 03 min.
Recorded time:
9 h 34 min
